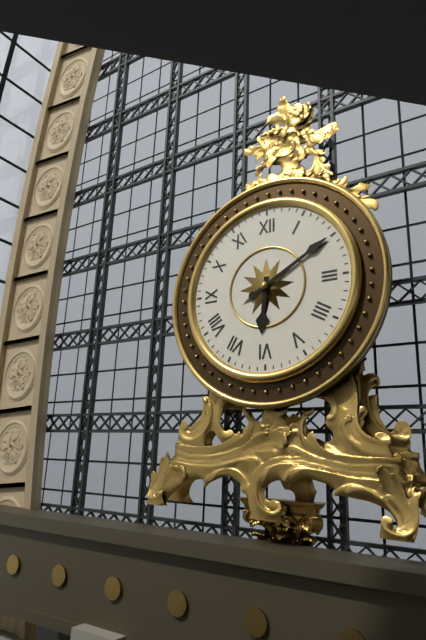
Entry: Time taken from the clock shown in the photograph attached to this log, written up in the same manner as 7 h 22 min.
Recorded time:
6 h 10 min
